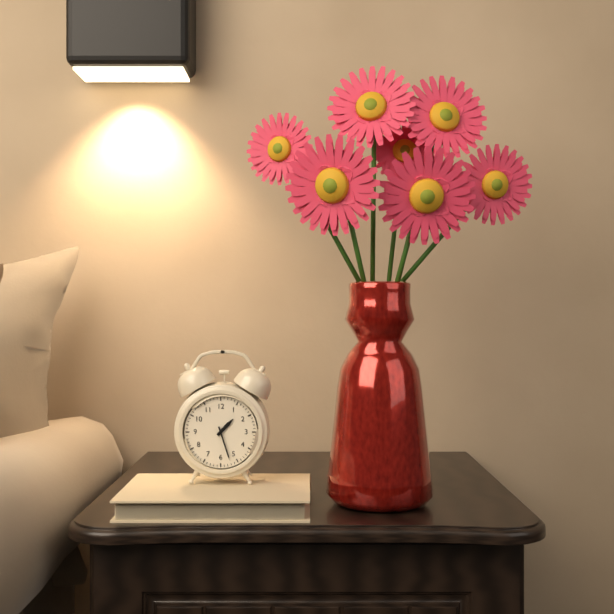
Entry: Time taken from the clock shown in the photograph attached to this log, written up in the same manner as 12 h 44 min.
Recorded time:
1 h 27 min
